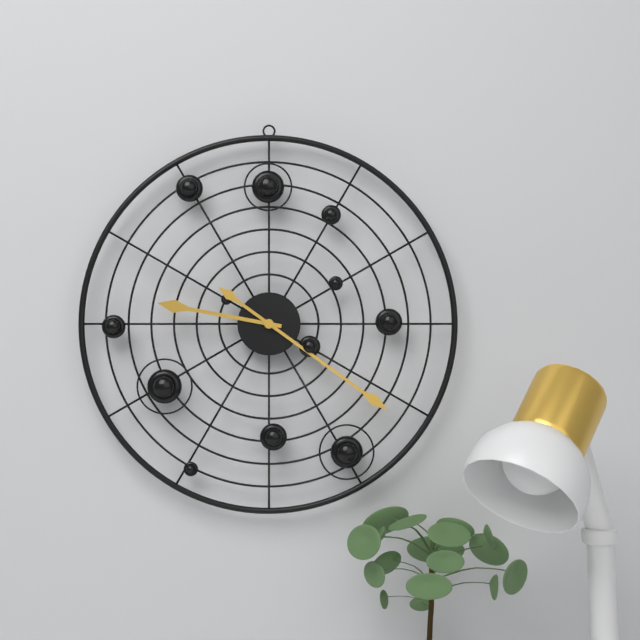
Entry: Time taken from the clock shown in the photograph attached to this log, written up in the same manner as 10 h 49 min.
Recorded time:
9 h 21 min
